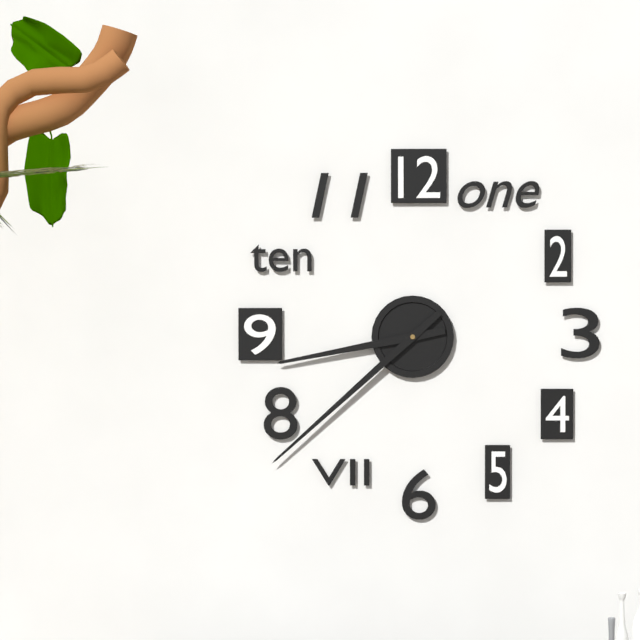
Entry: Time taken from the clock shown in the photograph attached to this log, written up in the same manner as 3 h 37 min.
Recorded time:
8 h 38 min
